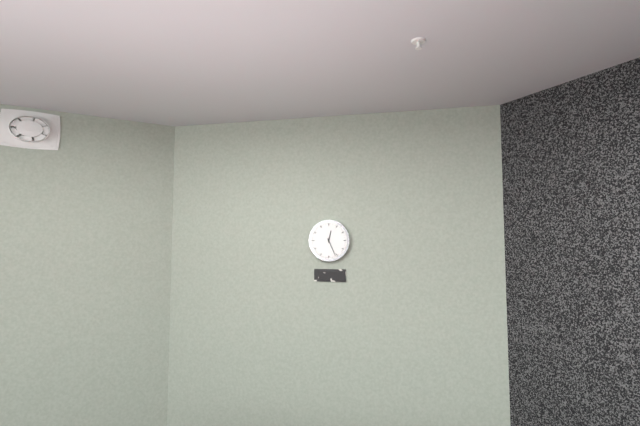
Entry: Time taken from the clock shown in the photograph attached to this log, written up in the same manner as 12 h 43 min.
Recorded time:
12 h 26 min
